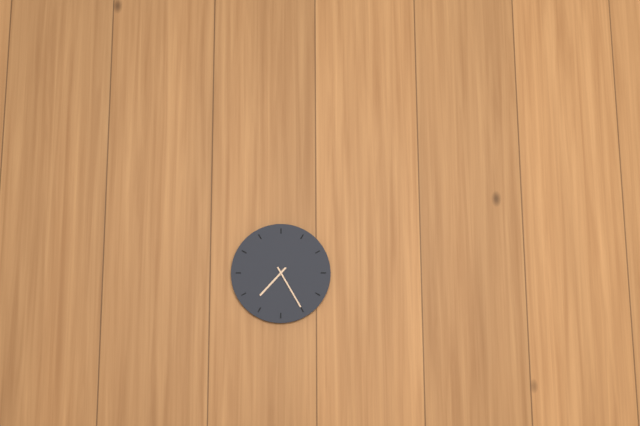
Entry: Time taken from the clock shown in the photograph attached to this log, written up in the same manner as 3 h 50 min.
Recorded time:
7 h 25 min
